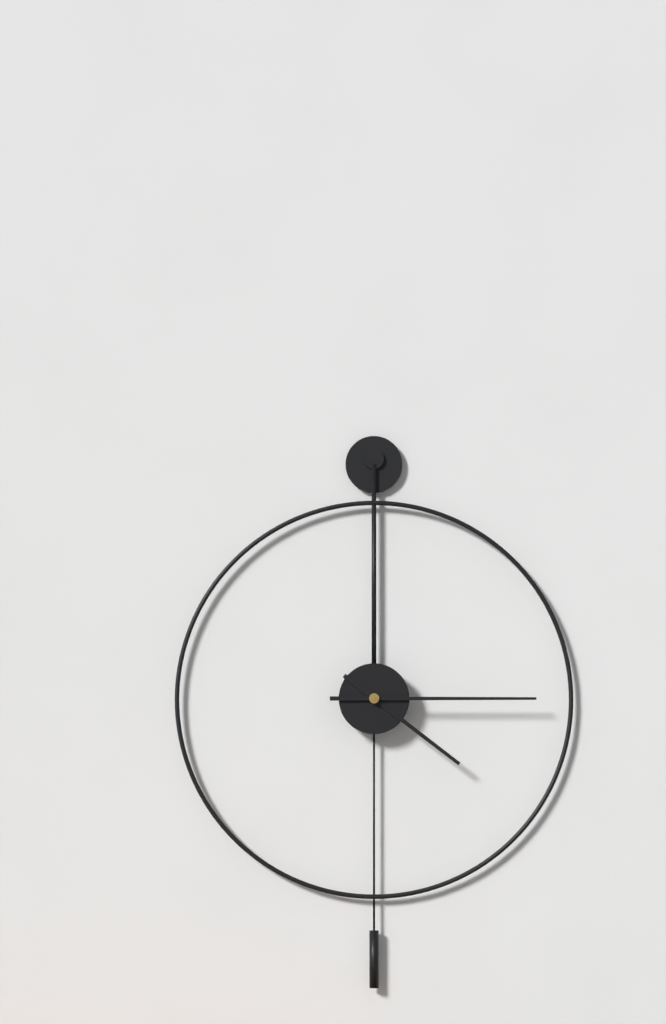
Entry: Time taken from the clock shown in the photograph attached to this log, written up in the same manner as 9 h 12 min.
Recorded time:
4 h 15 min
